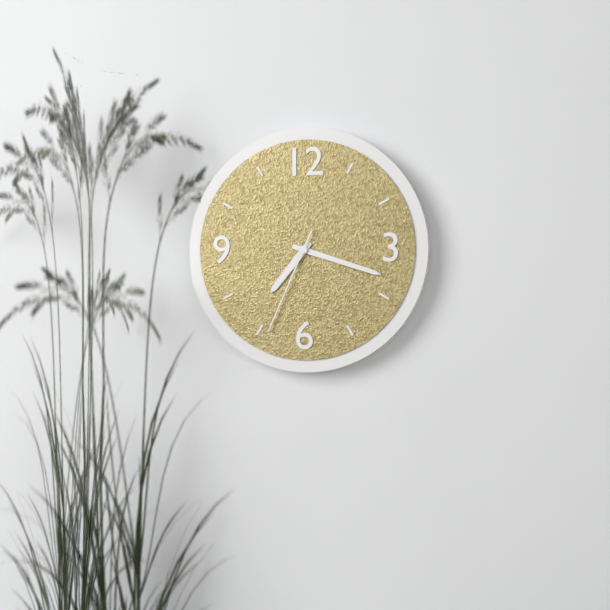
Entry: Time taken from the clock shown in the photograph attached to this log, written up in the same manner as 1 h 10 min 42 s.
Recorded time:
7 h 18 min 34 s
